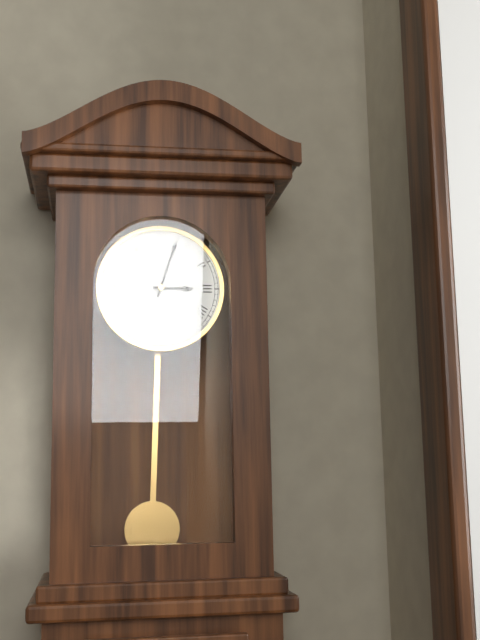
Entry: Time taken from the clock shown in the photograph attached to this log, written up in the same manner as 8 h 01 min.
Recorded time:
3 h 03 min
